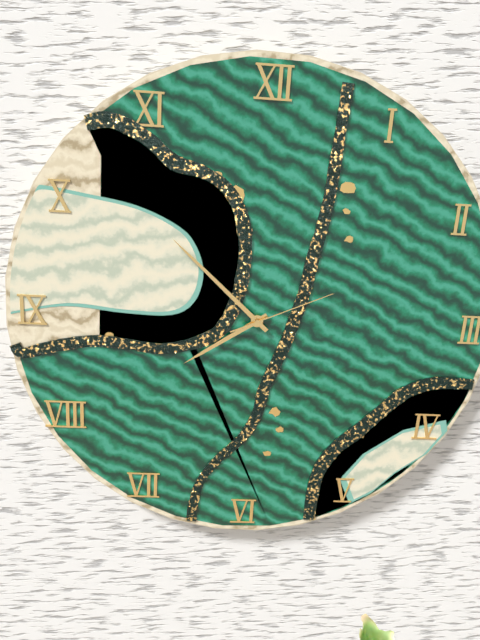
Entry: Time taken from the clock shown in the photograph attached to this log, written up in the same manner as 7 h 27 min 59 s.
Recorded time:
7 h 52 min 11 s
